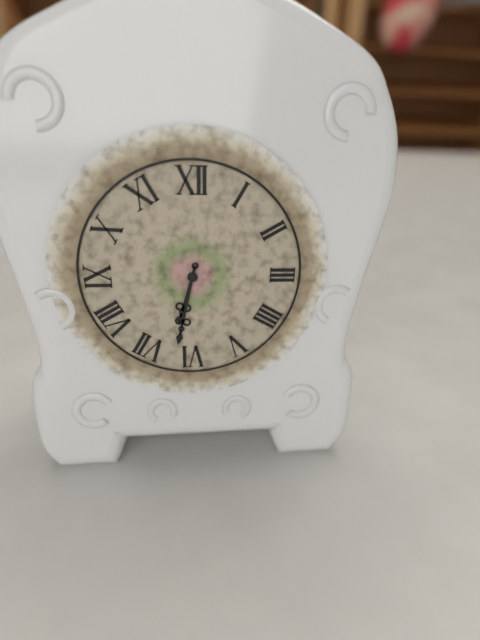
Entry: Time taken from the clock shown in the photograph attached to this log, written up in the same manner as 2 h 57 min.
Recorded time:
6 h 32 min
